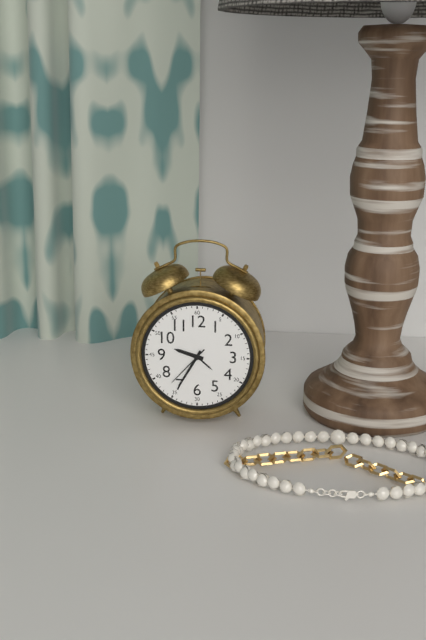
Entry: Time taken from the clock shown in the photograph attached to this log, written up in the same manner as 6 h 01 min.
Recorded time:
9 h 35 min
